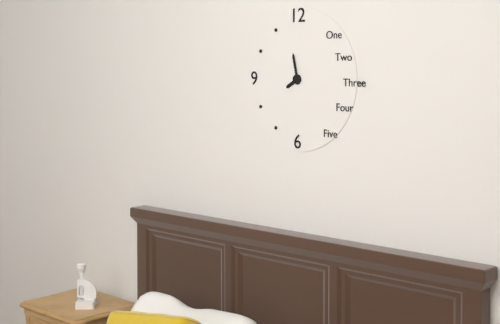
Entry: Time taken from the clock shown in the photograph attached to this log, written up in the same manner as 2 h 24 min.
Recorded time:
7 h 58 min
